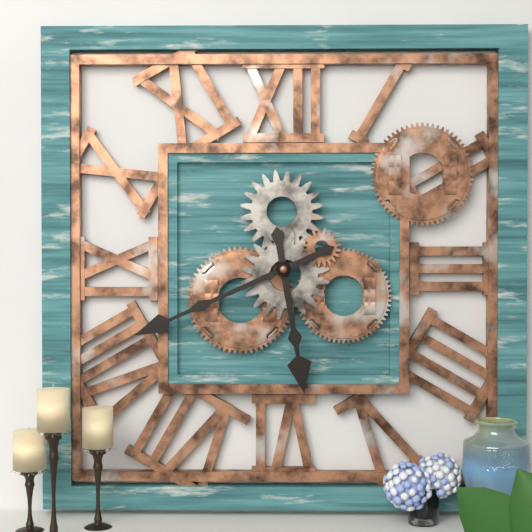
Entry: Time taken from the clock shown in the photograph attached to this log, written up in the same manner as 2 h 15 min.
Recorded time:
5 h 41 min
